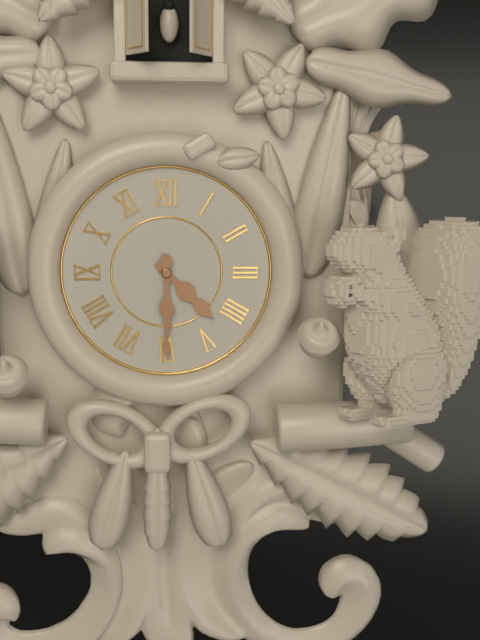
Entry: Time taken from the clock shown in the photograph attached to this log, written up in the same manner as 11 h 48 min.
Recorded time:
4 h 30 min
